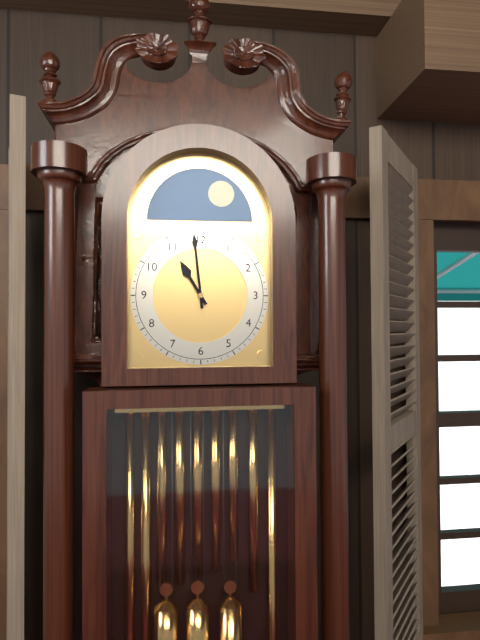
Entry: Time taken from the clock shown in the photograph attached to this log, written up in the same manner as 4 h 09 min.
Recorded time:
10 h 59 min
